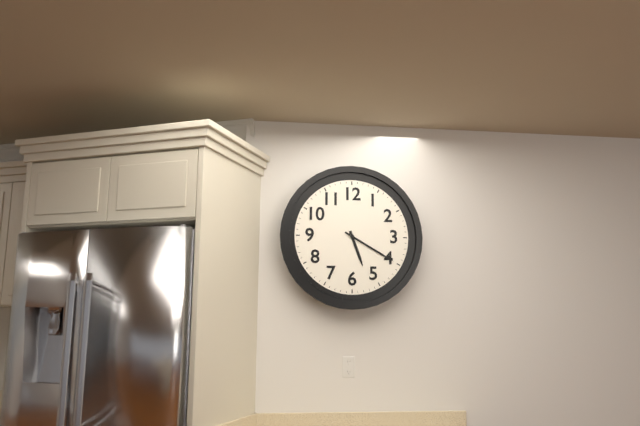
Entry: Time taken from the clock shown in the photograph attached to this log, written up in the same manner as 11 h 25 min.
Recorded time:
5 h 20 min
